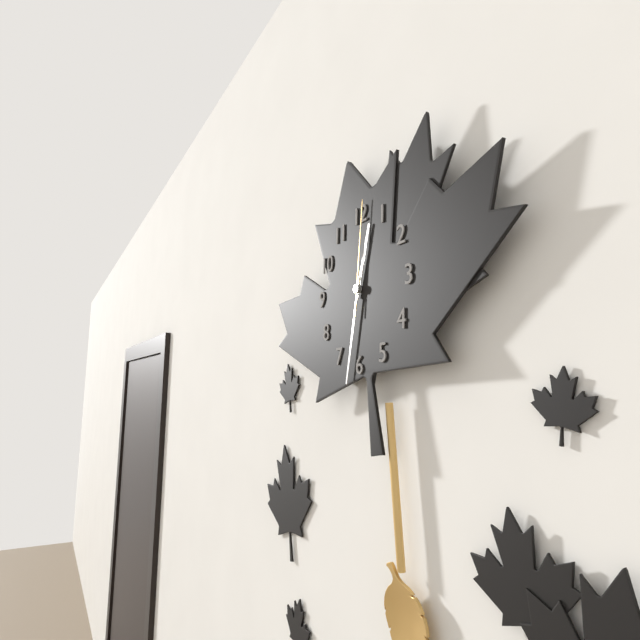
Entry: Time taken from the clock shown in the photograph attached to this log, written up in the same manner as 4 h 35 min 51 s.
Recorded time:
12 h 32 min 01 s
